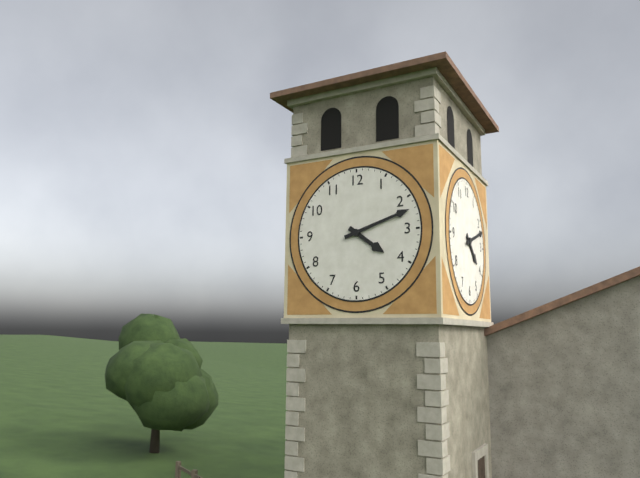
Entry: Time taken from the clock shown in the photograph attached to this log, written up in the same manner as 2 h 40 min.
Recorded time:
4 h 12 min
